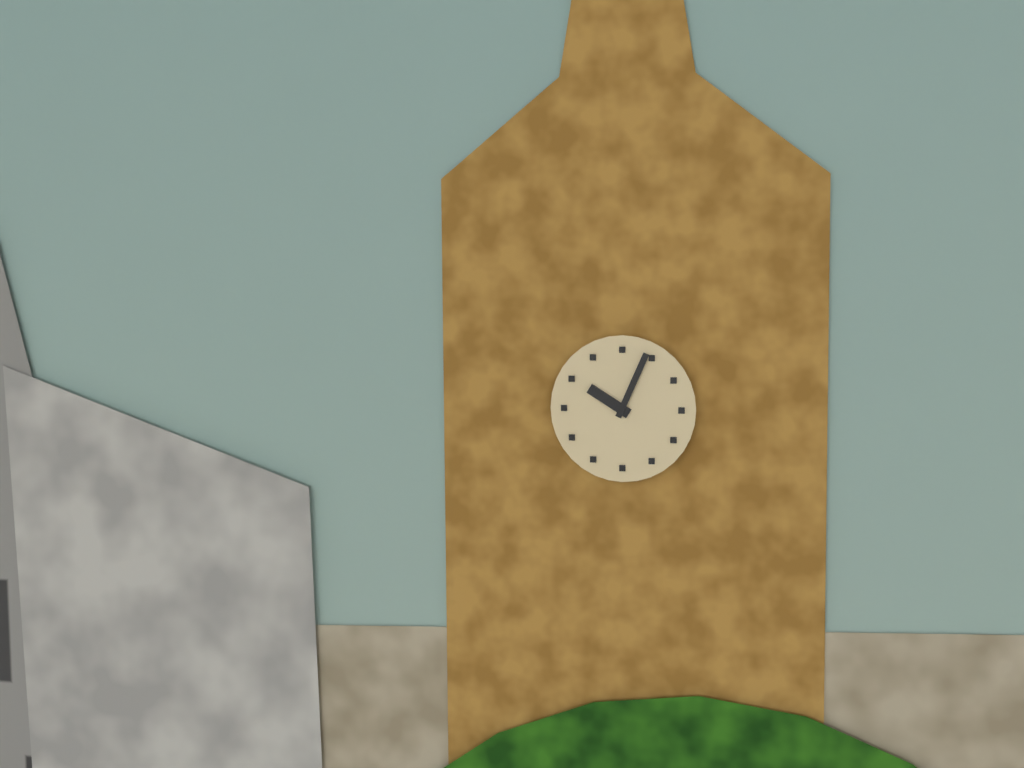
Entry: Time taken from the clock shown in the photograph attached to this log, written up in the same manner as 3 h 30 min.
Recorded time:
10 h 04 min
